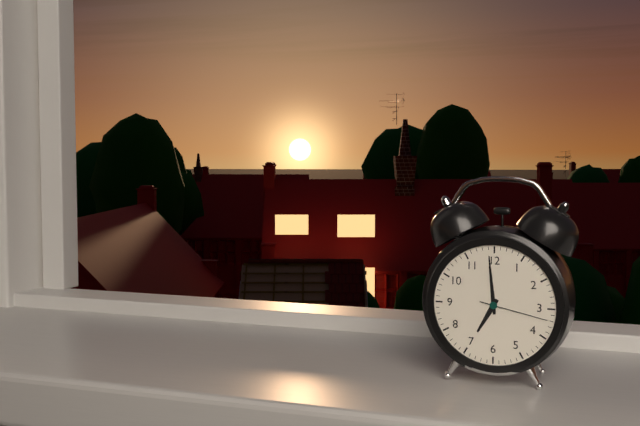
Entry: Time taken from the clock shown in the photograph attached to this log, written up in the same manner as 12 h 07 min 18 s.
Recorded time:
6 h 59 min 17 s
